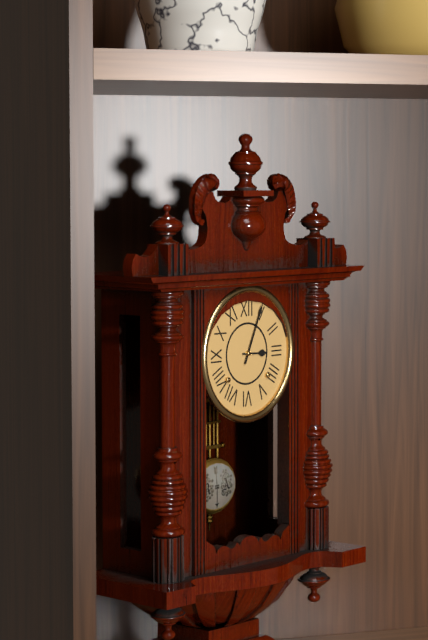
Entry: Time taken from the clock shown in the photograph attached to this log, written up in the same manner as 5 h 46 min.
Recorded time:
3 h 04 min
